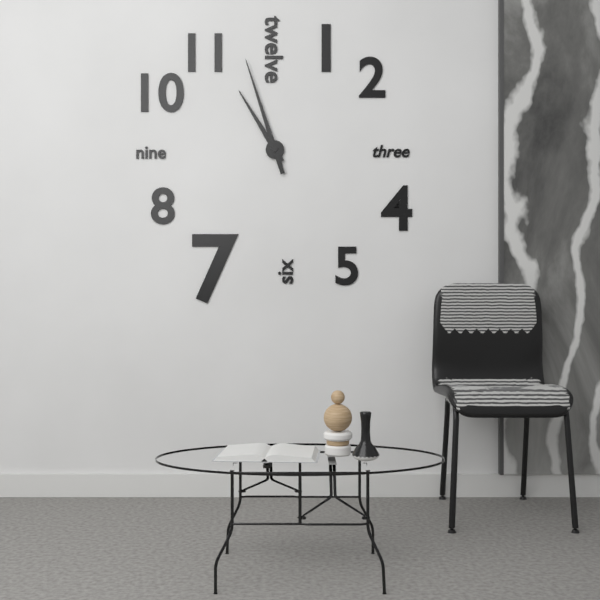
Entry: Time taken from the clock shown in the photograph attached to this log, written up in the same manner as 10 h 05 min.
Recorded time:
10 h 57 min
